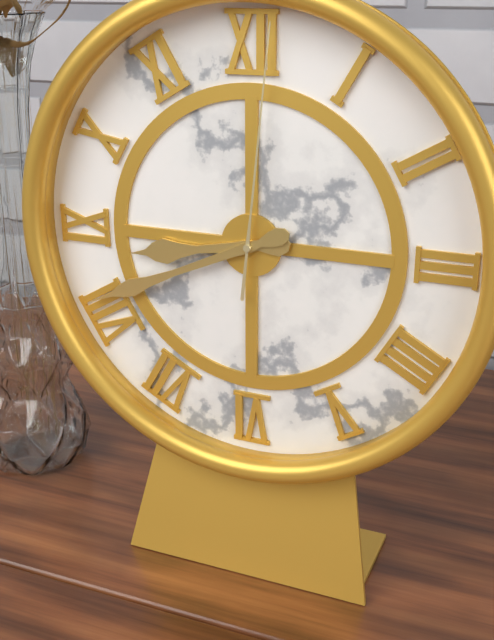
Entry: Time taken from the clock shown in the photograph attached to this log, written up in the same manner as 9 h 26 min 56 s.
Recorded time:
8 h 41 min 01 s
